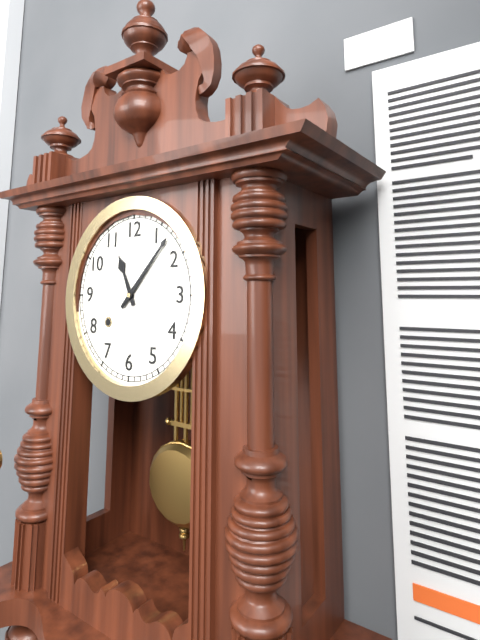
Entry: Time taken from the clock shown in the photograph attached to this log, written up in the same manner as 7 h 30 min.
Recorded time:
11 h 07 min
